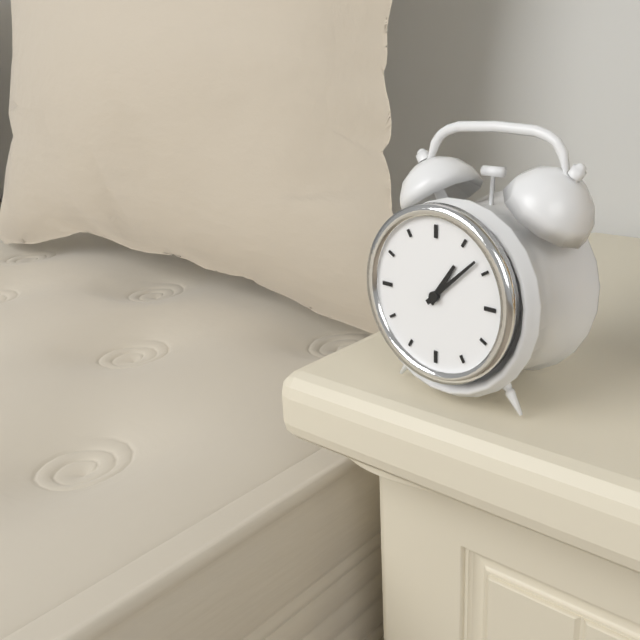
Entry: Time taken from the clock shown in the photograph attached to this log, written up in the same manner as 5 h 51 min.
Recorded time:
1 h 08 min
